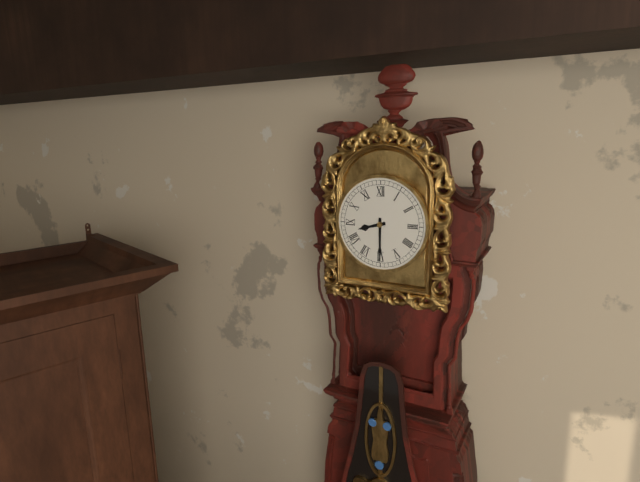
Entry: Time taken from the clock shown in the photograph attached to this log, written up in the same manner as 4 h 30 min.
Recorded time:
8 h 30 min
